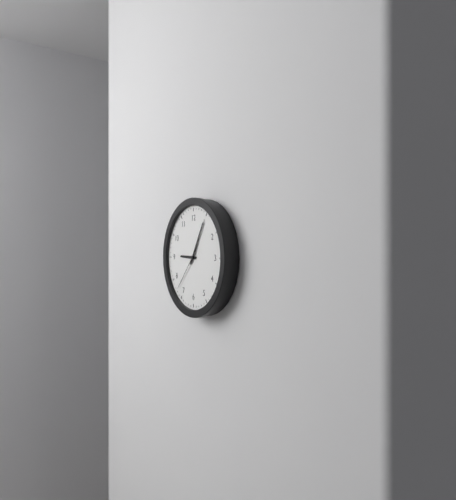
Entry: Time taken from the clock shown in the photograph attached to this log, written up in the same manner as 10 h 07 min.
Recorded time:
9 h 05 min
